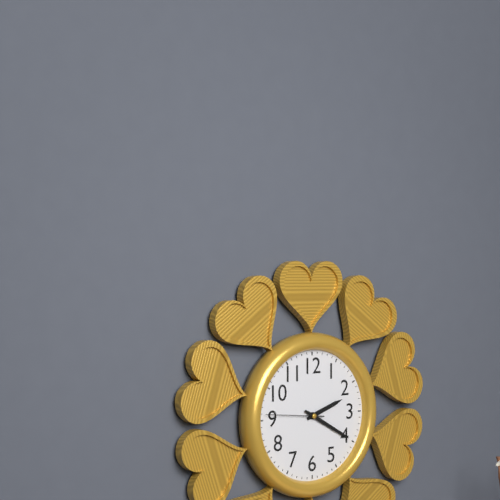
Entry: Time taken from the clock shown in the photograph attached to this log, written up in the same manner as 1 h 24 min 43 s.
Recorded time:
2 h 20 min 46 s
